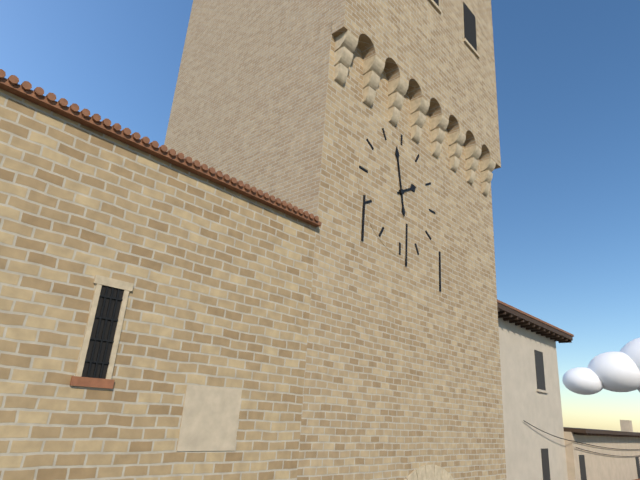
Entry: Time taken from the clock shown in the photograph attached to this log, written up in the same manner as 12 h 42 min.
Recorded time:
1 h 58 min
